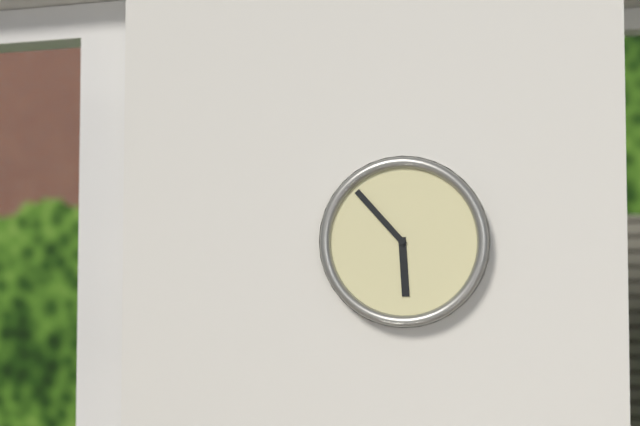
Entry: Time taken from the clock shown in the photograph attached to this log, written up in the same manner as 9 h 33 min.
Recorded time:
5 h 53 min
